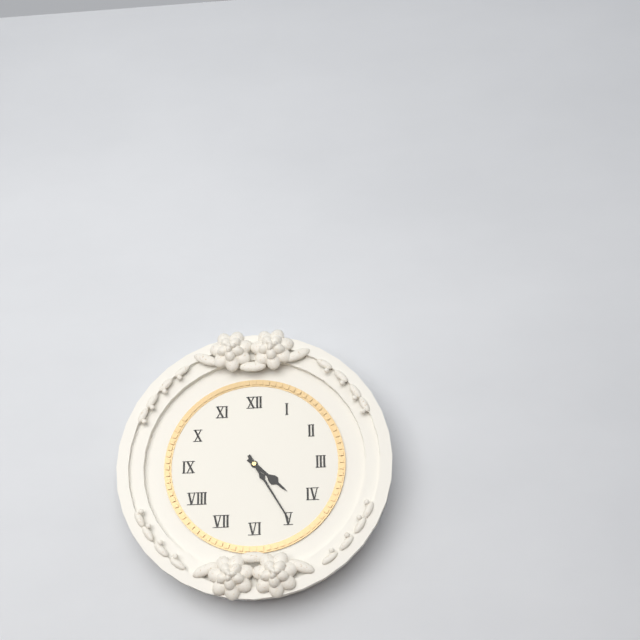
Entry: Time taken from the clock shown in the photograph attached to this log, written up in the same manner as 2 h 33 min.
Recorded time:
4 h 25 min
